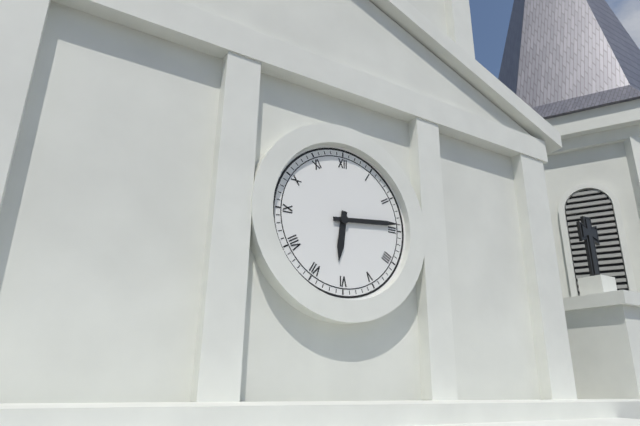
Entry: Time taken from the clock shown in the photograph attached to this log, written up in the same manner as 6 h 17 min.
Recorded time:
6 h 14 min
